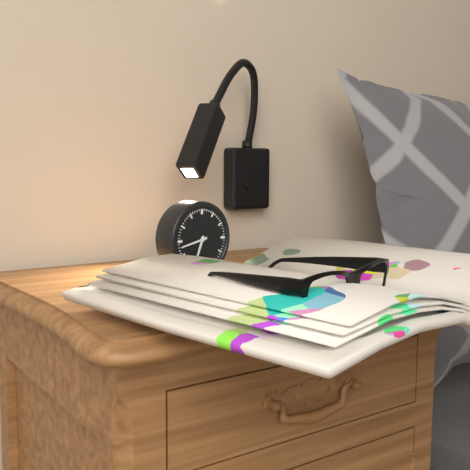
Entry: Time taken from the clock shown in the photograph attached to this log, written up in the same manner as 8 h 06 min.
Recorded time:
6 h 43 min
